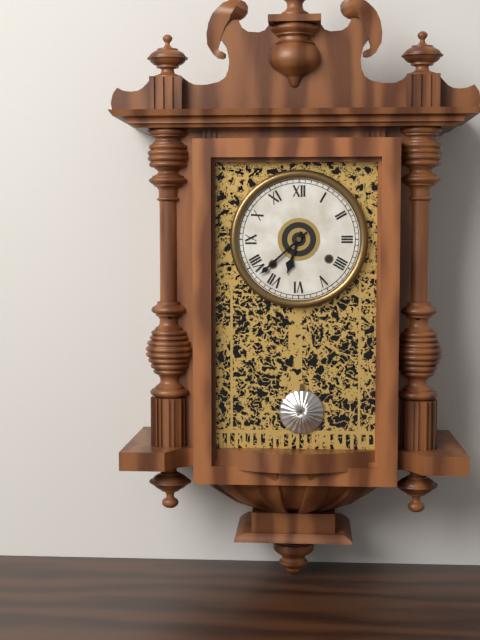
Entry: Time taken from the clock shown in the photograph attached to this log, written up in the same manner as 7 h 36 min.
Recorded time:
6 h 38 min
